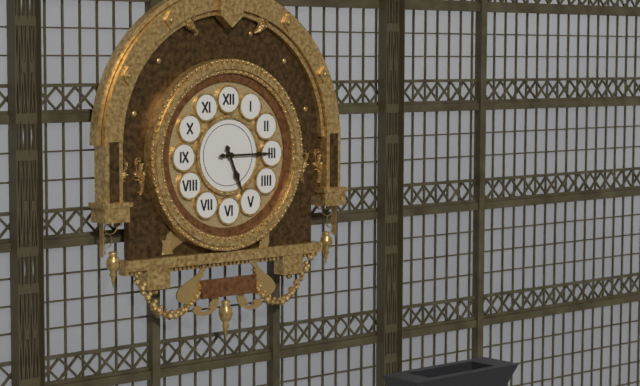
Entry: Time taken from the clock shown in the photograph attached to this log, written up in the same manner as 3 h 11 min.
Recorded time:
5 h 15 min
